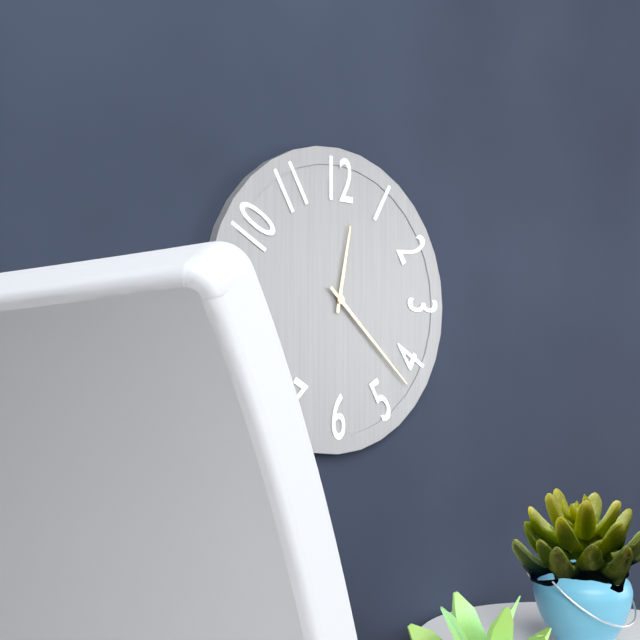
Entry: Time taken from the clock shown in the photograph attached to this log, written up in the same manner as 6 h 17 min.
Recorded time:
12 h 22 min
